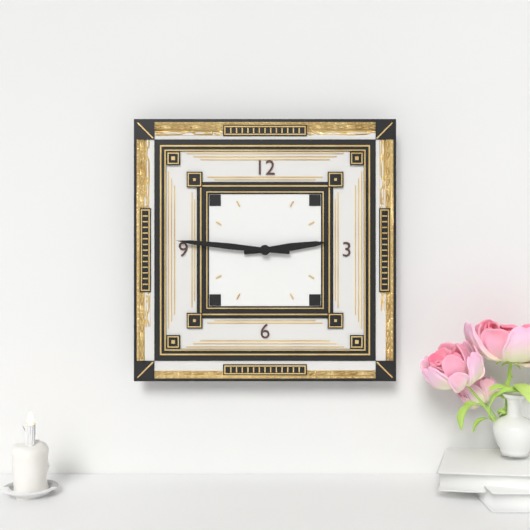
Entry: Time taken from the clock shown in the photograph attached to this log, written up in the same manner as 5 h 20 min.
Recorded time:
2 h 46 min
